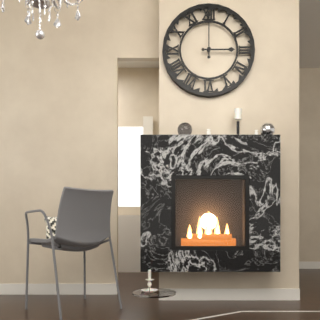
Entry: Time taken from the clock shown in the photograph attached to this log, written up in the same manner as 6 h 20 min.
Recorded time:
3 h 00 min
